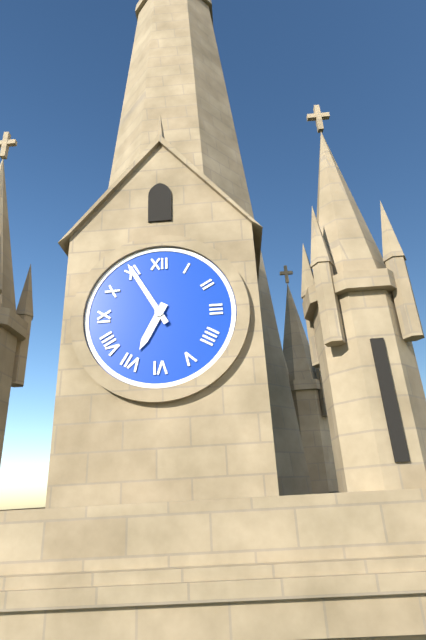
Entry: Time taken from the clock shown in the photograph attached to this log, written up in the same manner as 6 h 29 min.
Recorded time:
6 h 55 min
